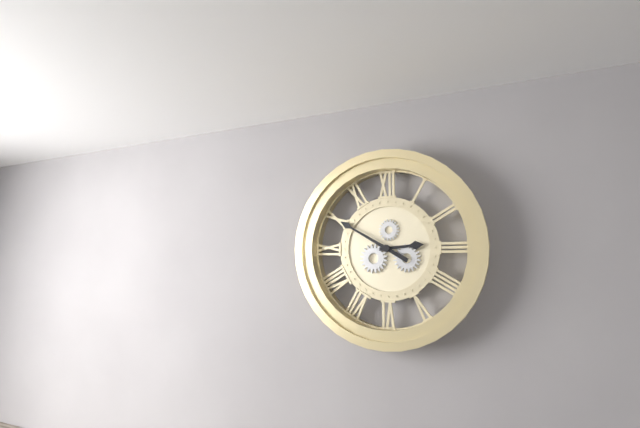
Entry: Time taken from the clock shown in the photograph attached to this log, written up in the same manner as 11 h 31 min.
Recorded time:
2 h 50 min
